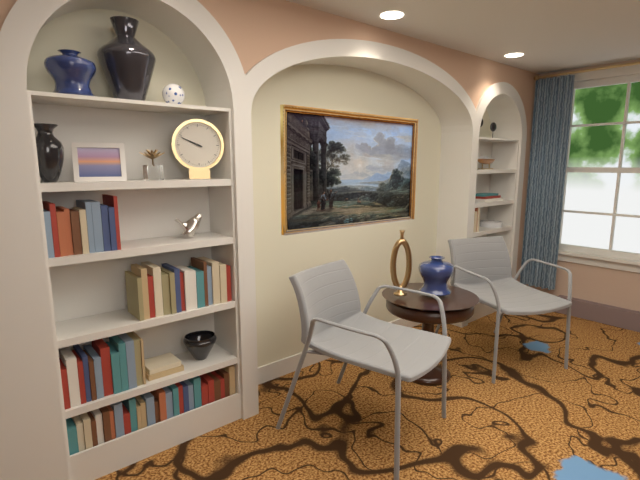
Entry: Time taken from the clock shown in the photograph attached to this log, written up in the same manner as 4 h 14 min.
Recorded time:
9 h 49 min
